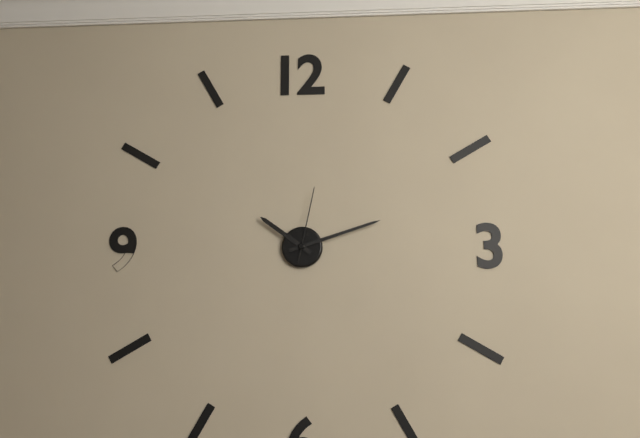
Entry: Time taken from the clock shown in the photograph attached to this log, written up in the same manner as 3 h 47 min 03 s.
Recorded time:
10 h 12 min 02 s
